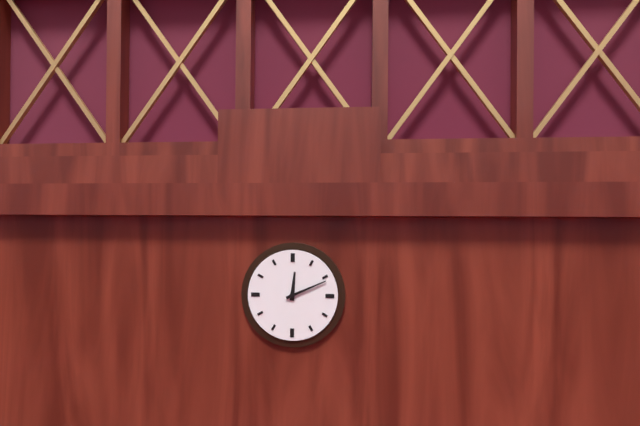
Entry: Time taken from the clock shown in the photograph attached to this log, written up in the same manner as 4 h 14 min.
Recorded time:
12 h 11 min
